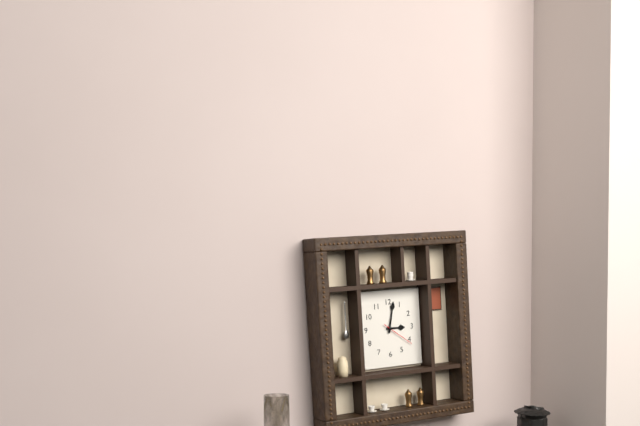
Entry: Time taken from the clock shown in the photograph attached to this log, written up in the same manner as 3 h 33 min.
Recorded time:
3 h 02 min
